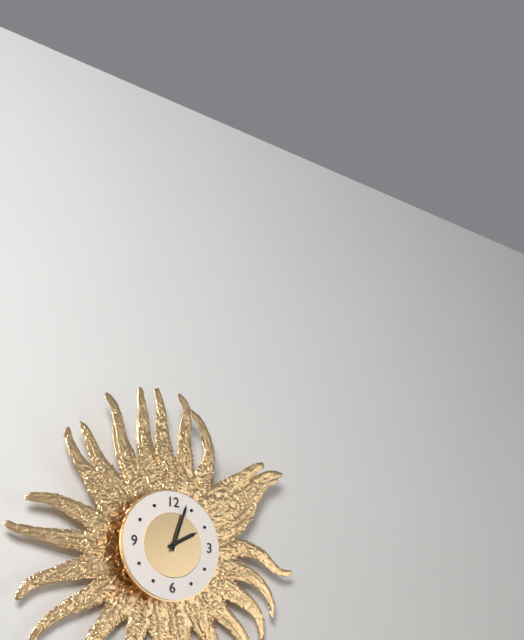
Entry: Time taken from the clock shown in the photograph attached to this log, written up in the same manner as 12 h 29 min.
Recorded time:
2 h 03 min
